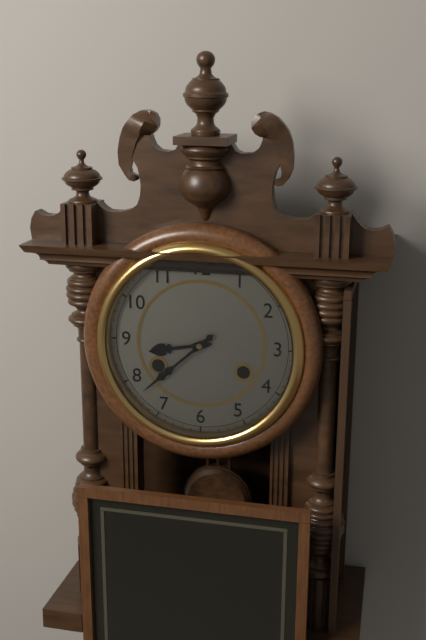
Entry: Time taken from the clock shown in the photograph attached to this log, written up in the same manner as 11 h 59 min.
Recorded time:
8 h 38 min
